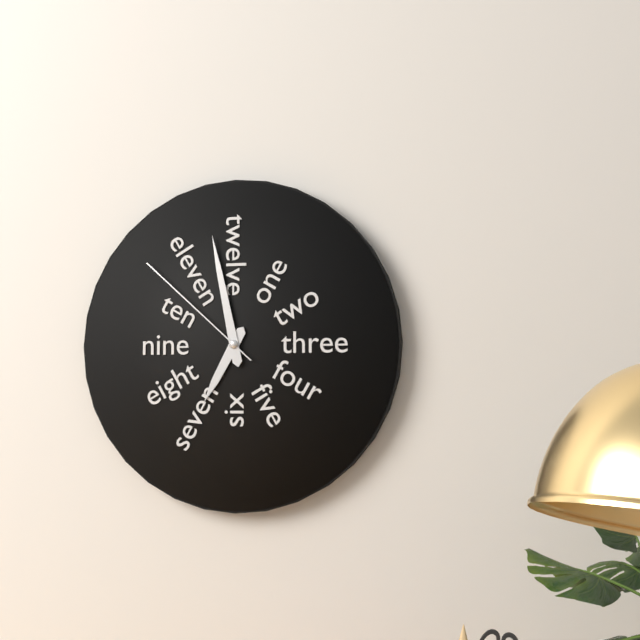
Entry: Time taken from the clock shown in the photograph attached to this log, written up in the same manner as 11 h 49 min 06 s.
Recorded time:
6 h 58 min 52 s
